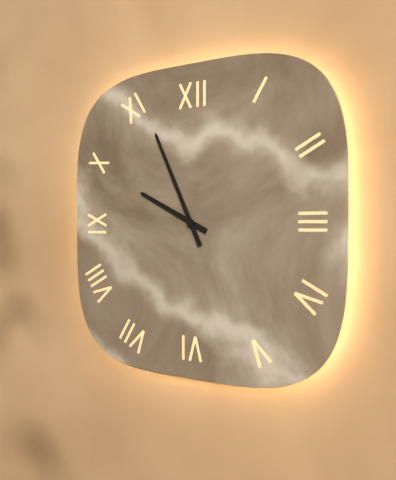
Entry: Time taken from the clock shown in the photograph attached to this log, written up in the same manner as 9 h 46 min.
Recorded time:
9 h 56 min
